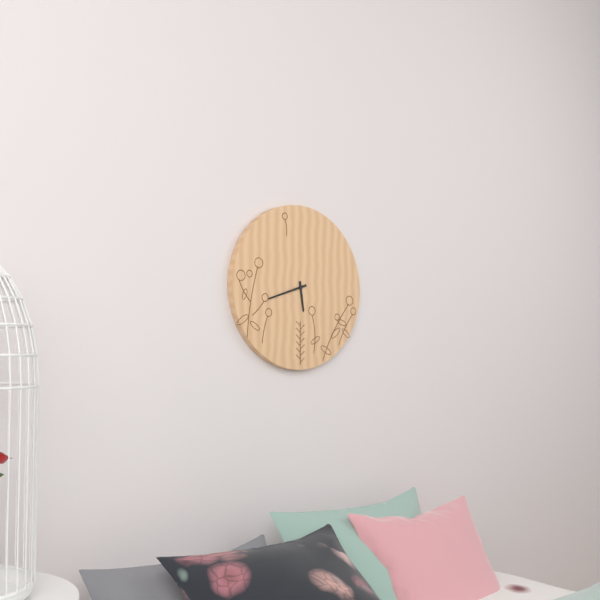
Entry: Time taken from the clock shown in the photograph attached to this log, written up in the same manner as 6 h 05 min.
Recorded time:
5 h 42 min
